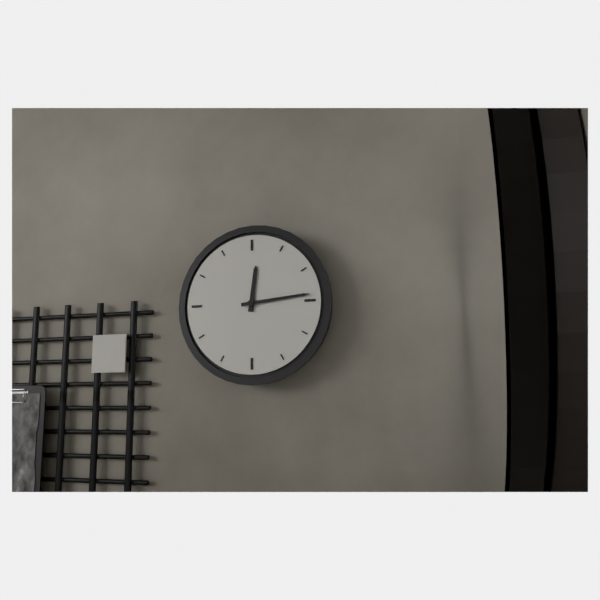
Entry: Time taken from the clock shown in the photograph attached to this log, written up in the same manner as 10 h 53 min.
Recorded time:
12 h 14 min
